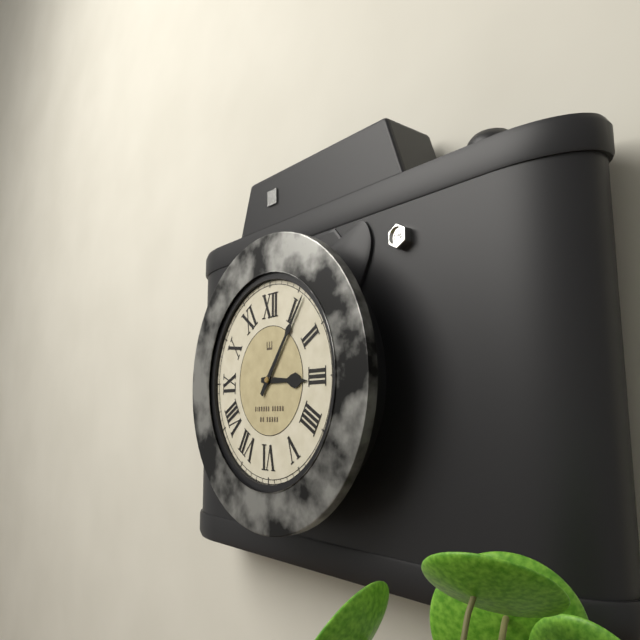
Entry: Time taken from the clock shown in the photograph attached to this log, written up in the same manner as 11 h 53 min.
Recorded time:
3 h 06 min
